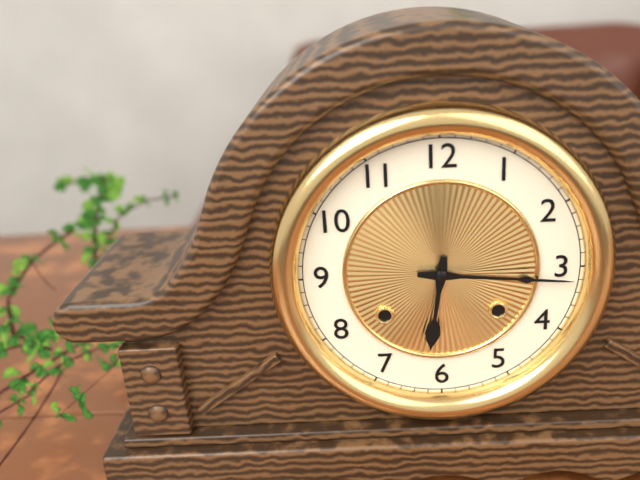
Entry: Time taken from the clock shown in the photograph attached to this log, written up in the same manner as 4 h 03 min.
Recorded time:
6 h 16 min
